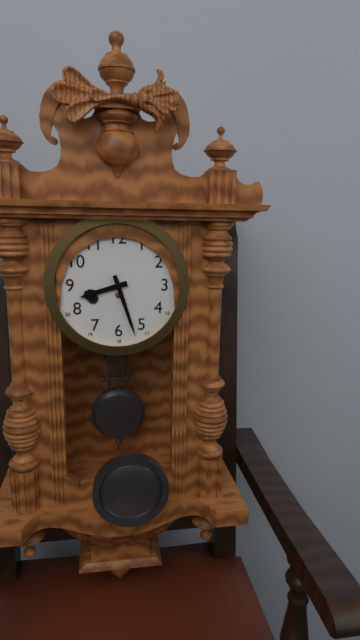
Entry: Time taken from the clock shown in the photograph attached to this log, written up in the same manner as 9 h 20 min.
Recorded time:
8 h 27 min
